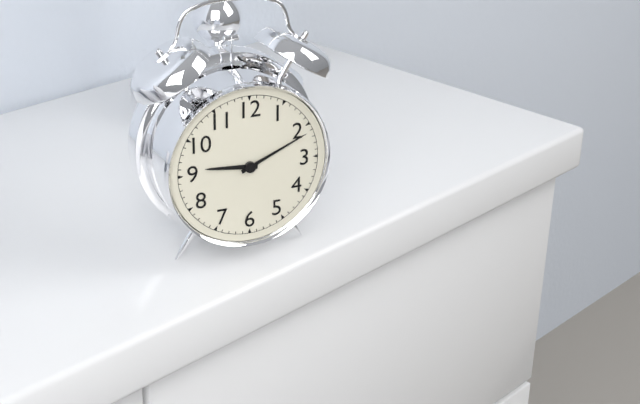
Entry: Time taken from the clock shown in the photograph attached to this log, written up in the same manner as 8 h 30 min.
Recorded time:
9 h 11 min
